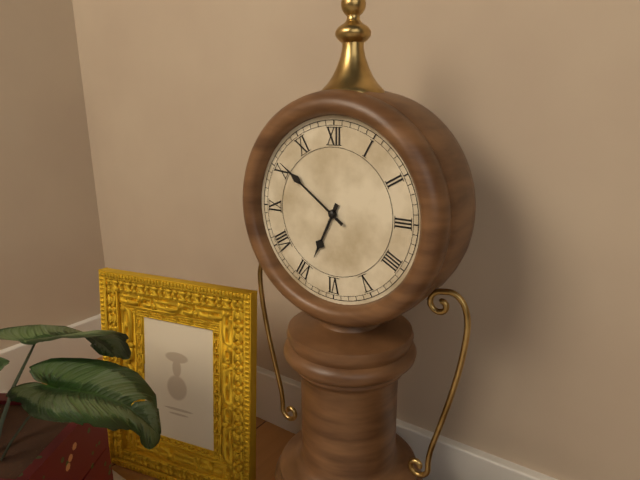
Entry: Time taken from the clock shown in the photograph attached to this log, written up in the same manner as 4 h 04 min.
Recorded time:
6 h 51 min
